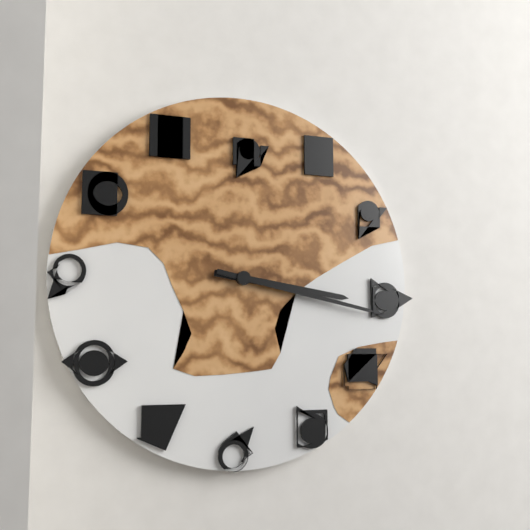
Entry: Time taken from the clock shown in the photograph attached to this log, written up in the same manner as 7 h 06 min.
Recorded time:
3 h 17 min
